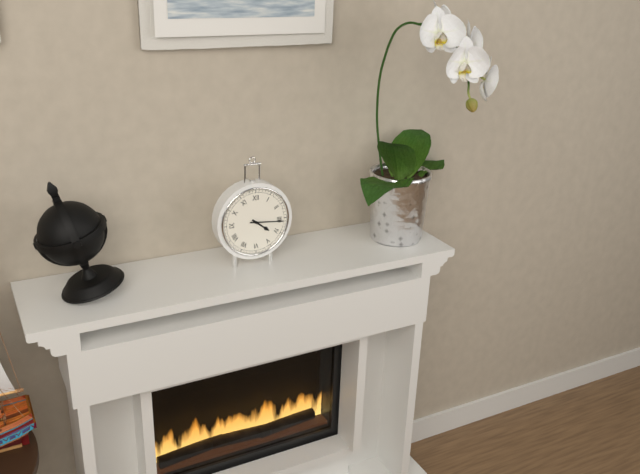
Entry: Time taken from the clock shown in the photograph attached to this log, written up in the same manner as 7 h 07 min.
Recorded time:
4 h 16 min
